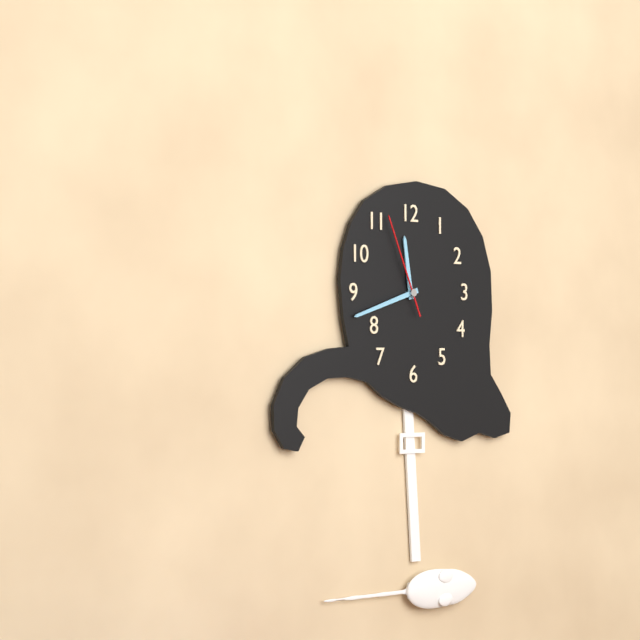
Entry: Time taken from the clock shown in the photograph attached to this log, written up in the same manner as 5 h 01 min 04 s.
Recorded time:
11 h 42 min 56 s
